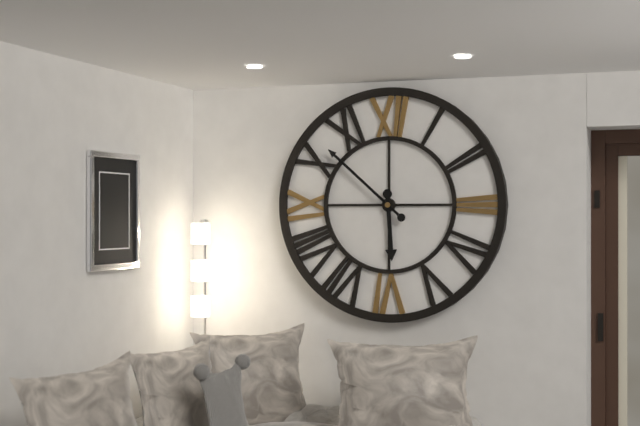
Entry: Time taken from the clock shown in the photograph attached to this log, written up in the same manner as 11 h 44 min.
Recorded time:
5 h 52 min
